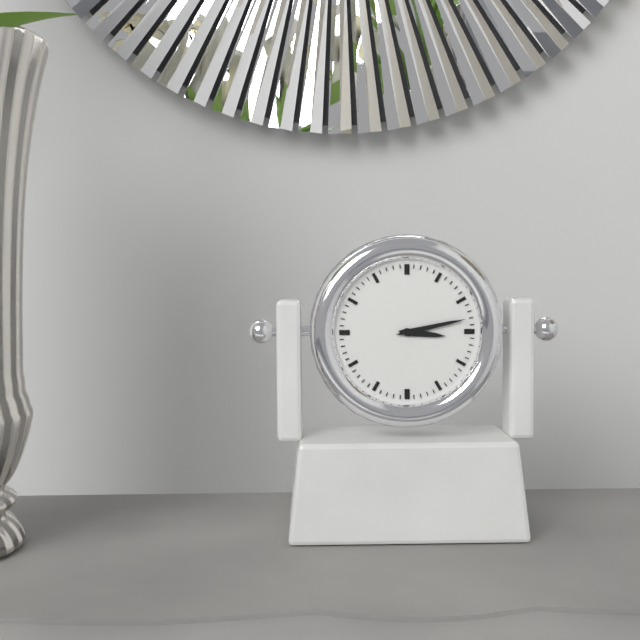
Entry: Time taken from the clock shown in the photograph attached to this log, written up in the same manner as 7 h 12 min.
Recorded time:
3 h 13 min
